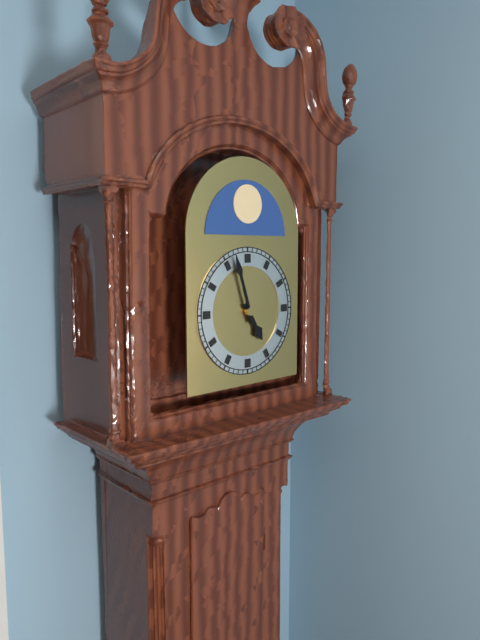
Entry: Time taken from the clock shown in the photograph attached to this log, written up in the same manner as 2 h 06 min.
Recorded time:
4 h 57 min
